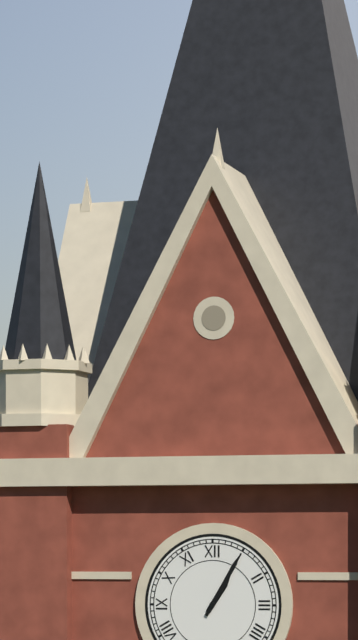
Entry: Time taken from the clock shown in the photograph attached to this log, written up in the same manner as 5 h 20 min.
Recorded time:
1 h 05 min
